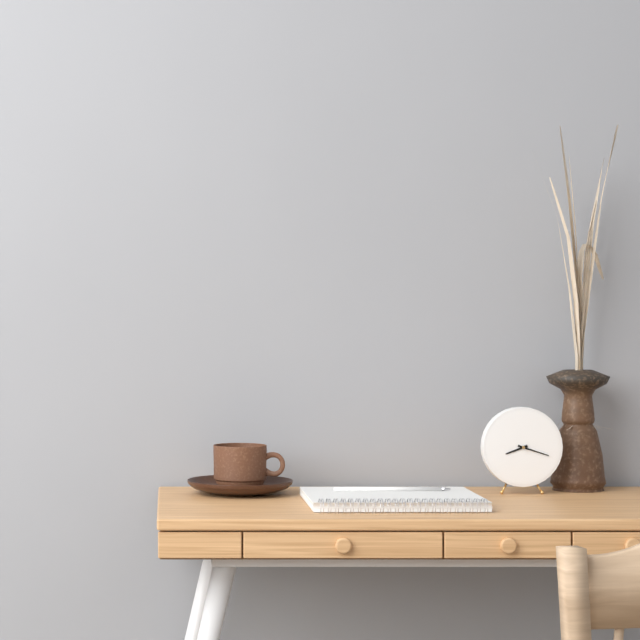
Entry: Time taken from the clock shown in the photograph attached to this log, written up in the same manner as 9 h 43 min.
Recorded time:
8 h 18 min
